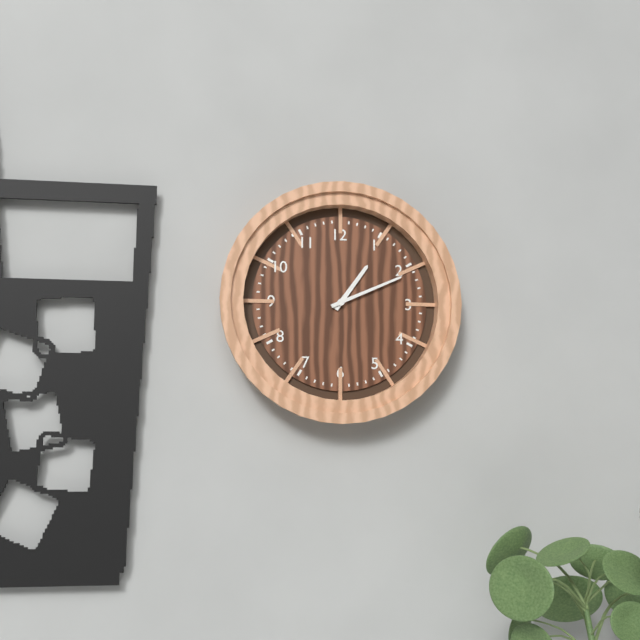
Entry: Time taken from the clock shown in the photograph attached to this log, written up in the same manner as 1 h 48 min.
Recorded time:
1 h 11 min
